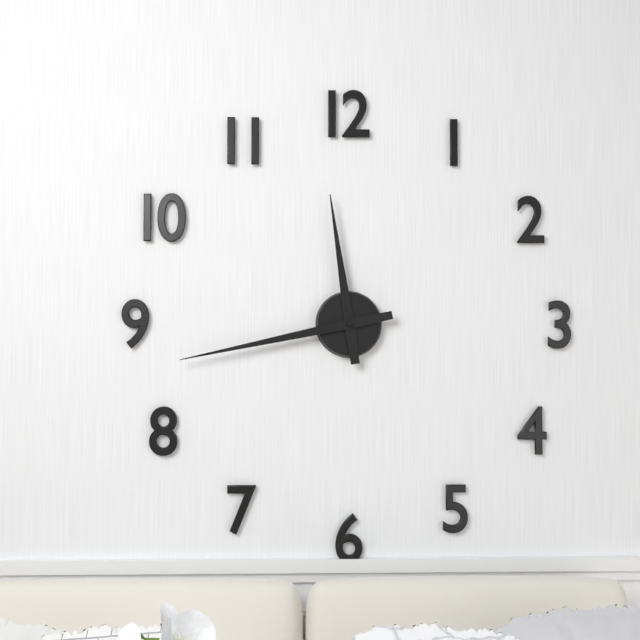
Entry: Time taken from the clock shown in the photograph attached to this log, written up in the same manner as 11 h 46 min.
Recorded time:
11 h 43 min
